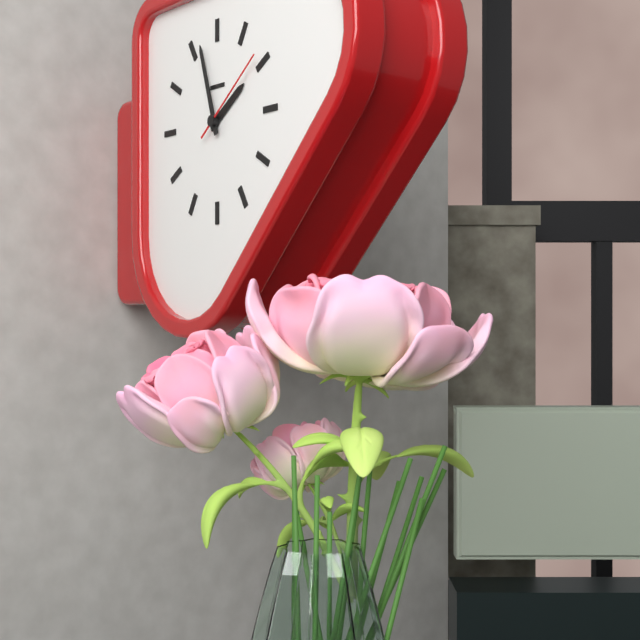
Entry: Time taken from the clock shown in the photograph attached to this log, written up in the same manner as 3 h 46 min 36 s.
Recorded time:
1 h 57 min 09 s
